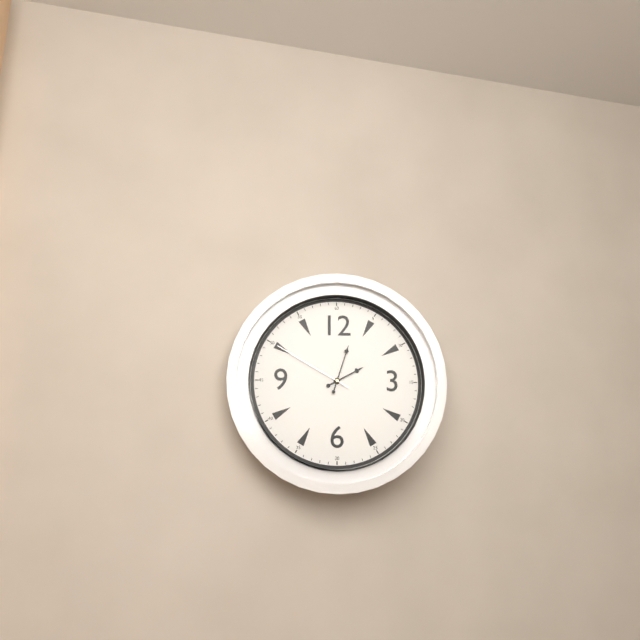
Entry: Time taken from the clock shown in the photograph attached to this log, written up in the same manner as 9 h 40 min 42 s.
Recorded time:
2 h 03 min 50 s
